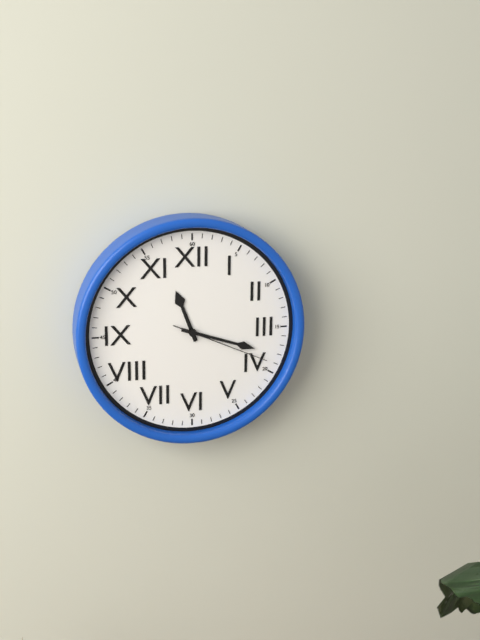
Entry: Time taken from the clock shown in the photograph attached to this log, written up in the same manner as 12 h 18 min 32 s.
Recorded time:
11 h 18 min 19 s
